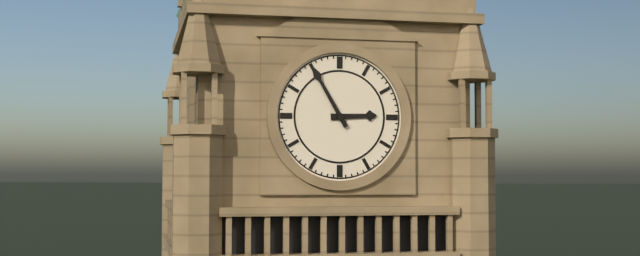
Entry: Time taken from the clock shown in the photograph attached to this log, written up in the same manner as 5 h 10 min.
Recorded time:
2 h 55 min
